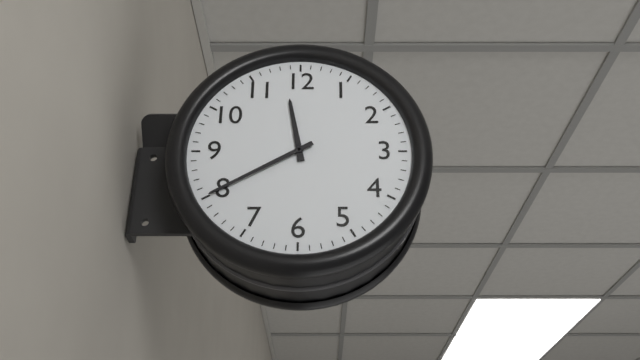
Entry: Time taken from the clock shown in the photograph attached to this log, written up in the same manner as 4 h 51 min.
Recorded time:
11 h 40 min
